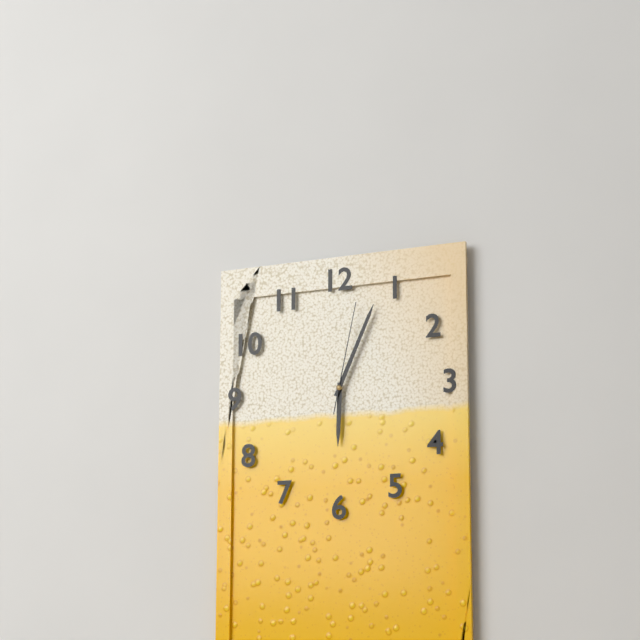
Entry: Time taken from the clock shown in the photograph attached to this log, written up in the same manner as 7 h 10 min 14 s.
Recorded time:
6 h 04 min 02 s
